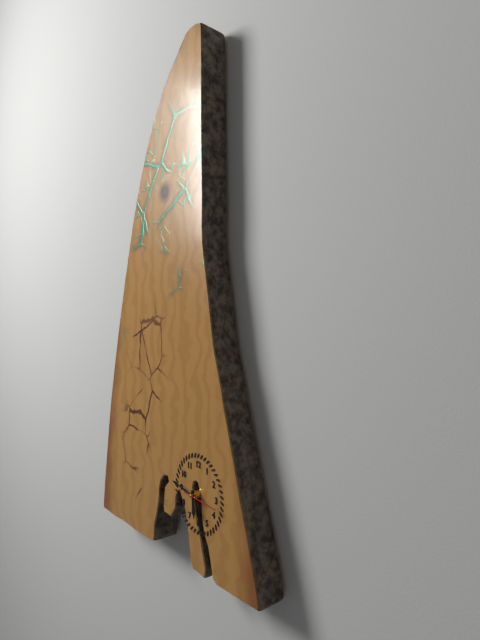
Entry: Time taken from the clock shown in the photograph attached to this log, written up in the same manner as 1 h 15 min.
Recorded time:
5 h 47 min
